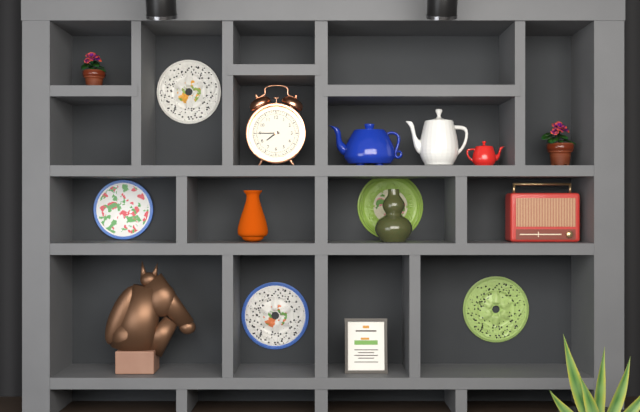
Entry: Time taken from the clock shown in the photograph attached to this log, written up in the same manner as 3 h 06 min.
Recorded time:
7 h 45 min
